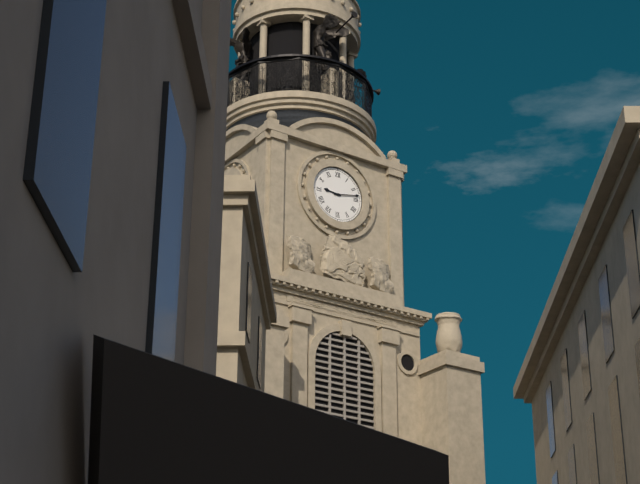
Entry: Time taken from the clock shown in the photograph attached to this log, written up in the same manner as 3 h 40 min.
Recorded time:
9 h 13 min
